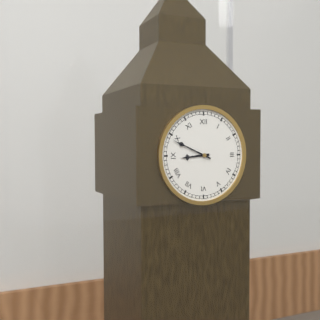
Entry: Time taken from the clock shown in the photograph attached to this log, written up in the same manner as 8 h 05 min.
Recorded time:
8 h 49 min
